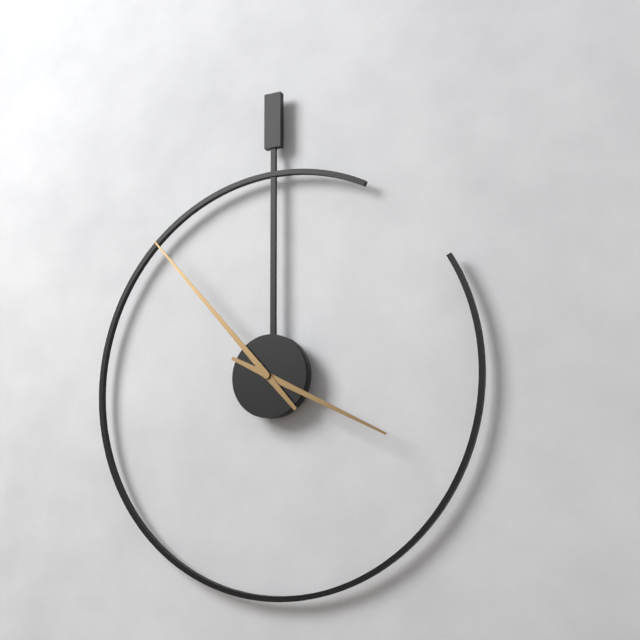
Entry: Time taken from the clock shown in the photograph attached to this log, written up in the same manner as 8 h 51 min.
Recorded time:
3 h 53 min
